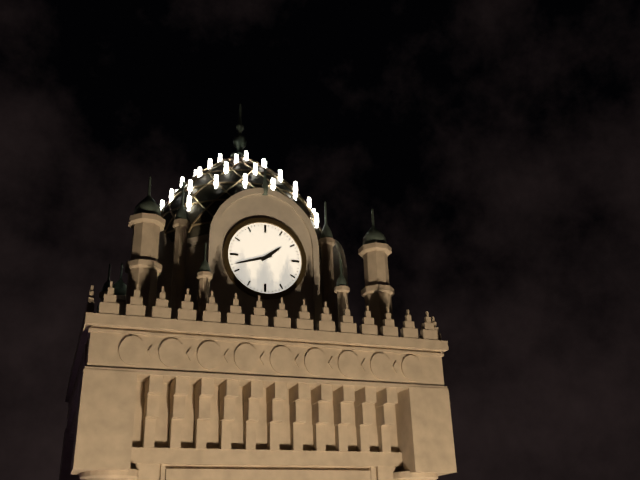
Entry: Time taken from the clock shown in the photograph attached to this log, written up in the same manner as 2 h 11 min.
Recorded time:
1 h 42 min
